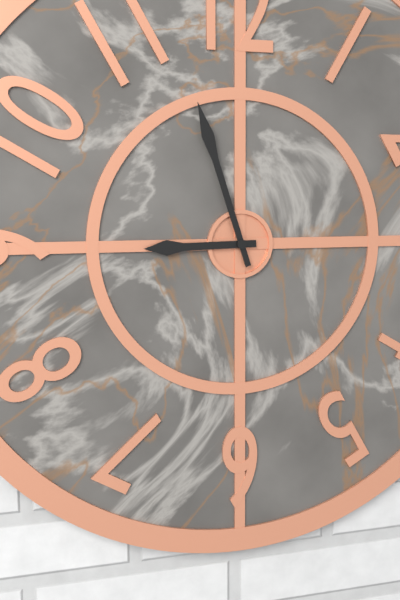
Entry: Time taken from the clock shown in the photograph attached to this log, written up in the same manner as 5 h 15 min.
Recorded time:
8 h 57 min
